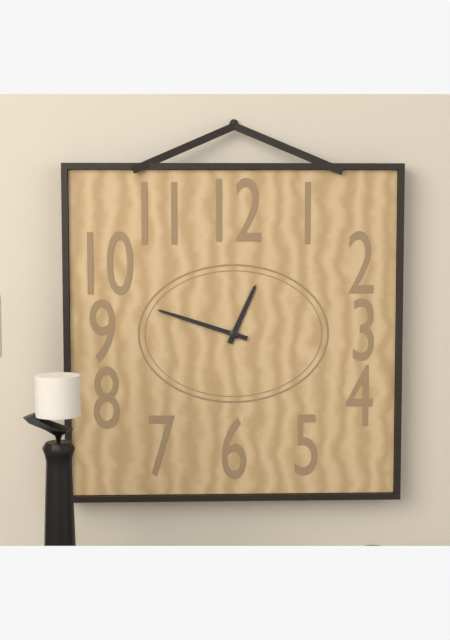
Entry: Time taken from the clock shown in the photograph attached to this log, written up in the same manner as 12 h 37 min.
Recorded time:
12 h 48 min
